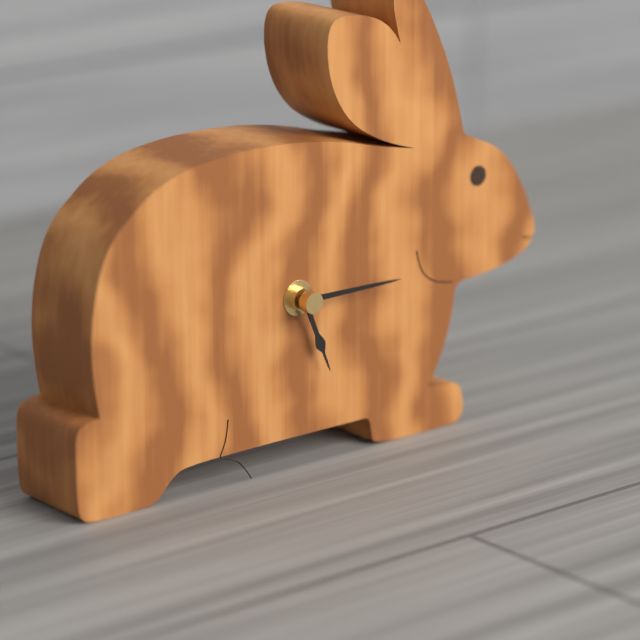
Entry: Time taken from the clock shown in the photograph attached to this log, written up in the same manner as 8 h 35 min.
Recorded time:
5 h 15 min
